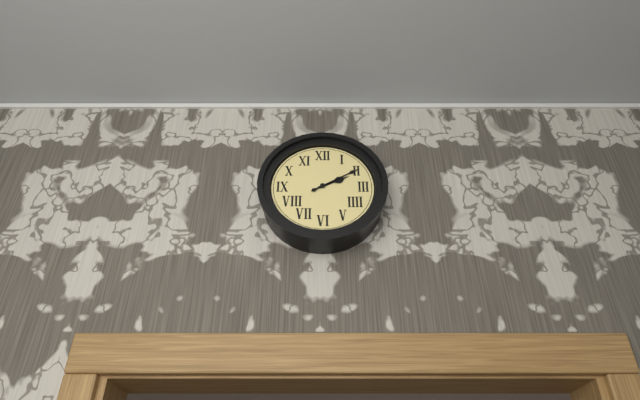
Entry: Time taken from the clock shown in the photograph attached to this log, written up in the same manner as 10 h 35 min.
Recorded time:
2 h 10 min
